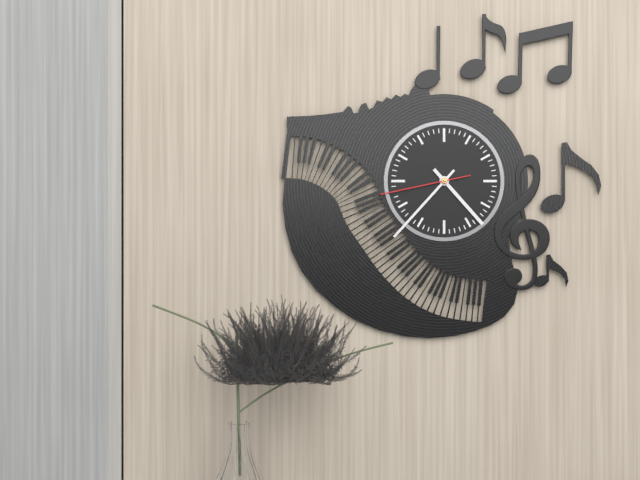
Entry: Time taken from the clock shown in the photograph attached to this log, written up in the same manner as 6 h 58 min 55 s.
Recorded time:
4 h 37 min 43 s
